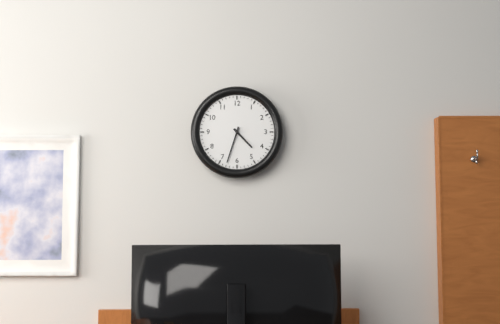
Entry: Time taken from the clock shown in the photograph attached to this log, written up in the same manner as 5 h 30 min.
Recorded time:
4 h 33 min
